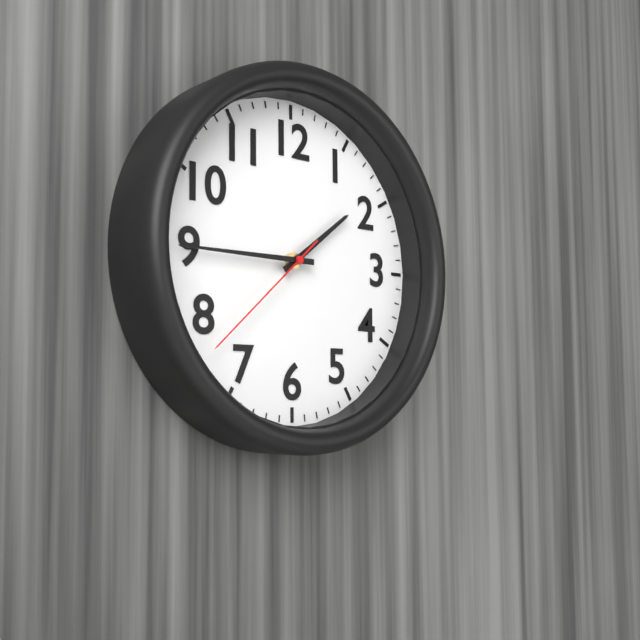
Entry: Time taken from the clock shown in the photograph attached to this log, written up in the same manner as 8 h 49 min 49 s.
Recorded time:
1 h 45 min 38 s
